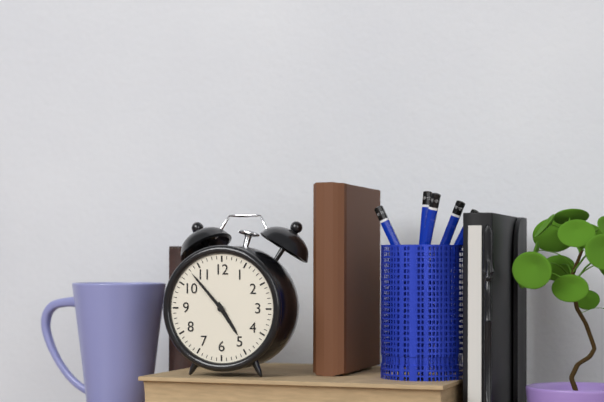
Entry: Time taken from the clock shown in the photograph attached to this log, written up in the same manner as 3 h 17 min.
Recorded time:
4 h 53 min
